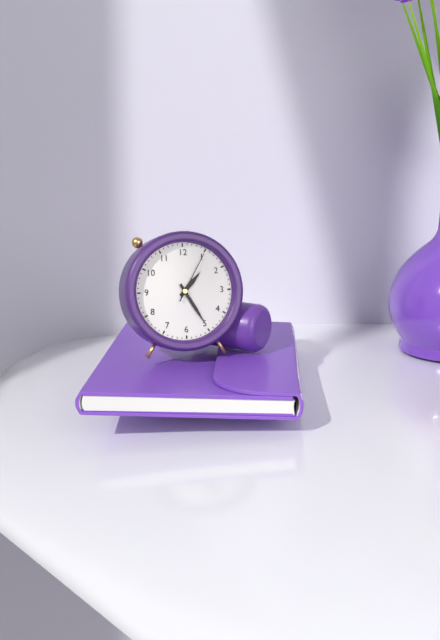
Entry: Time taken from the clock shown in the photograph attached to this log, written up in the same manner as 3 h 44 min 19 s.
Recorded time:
1 h 25 min 05 s
